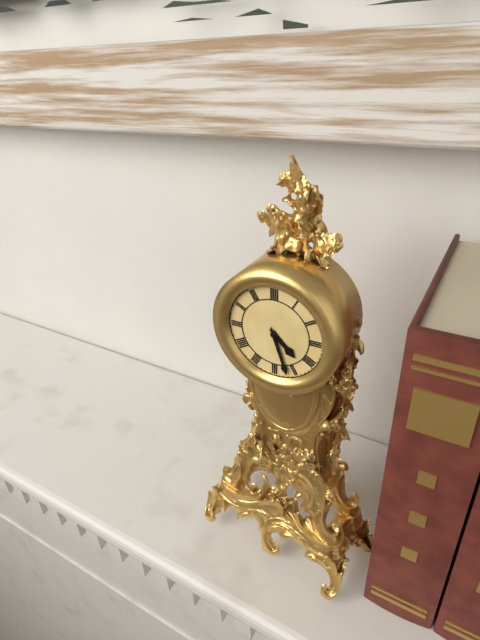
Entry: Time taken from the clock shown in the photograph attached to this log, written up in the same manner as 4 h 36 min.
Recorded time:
4 h 27 min
